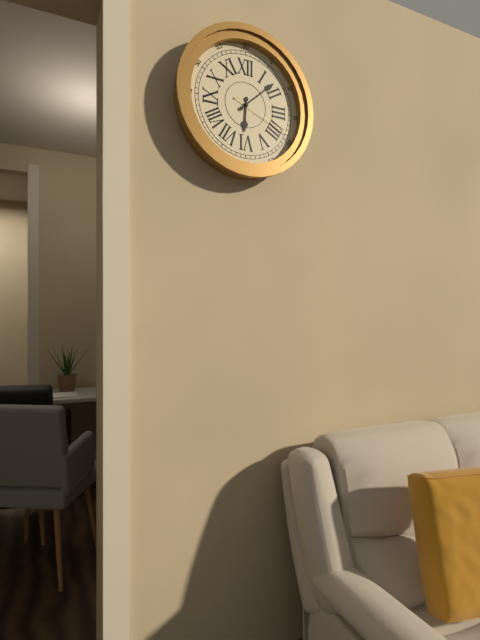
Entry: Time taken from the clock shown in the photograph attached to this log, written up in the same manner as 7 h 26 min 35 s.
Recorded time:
6 h 08 min 19 s
